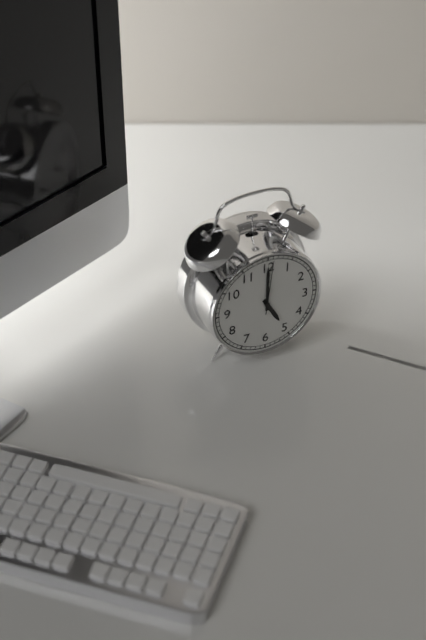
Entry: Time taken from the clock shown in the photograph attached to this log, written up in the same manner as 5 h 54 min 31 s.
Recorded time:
5 h 00 min 01 s
